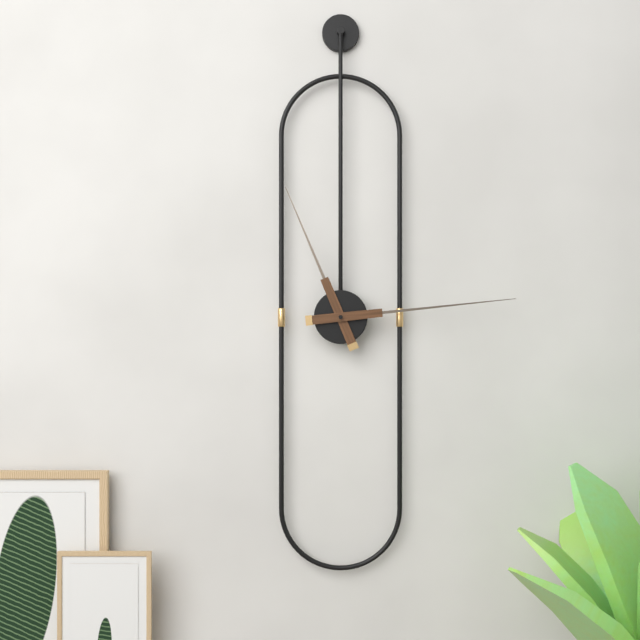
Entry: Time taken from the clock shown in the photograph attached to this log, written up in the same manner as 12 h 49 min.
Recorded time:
11 h 14 min
